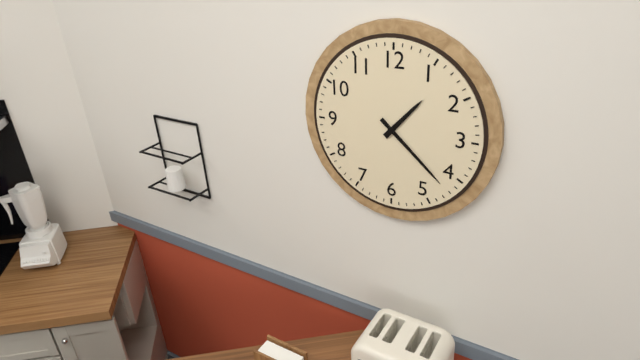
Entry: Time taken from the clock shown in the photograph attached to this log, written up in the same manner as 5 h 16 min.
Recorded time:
1 h 22 min
